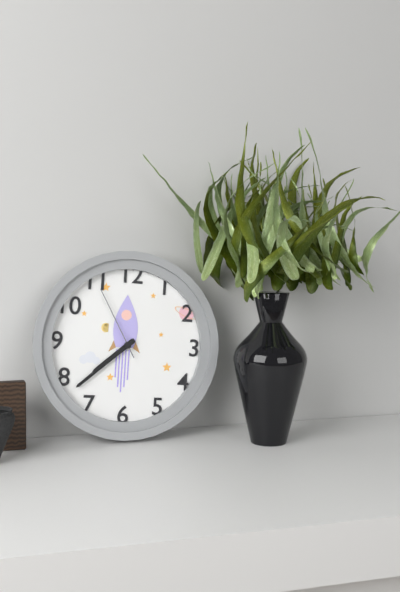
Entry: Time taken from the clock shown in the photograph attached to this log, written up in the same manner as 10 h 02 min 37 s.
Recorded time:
7 h 38 min 55 s
